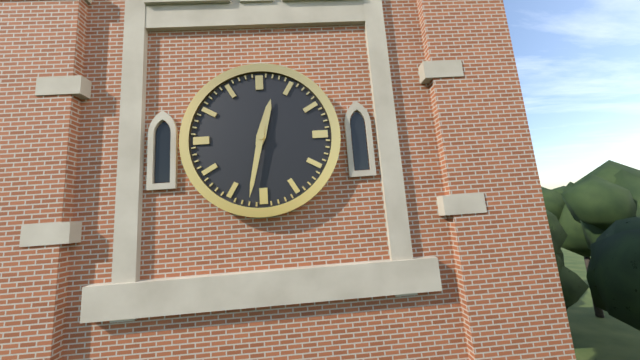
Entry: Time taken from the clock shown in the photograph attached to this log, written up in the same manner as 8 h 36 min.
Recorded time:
12 h 32 min
